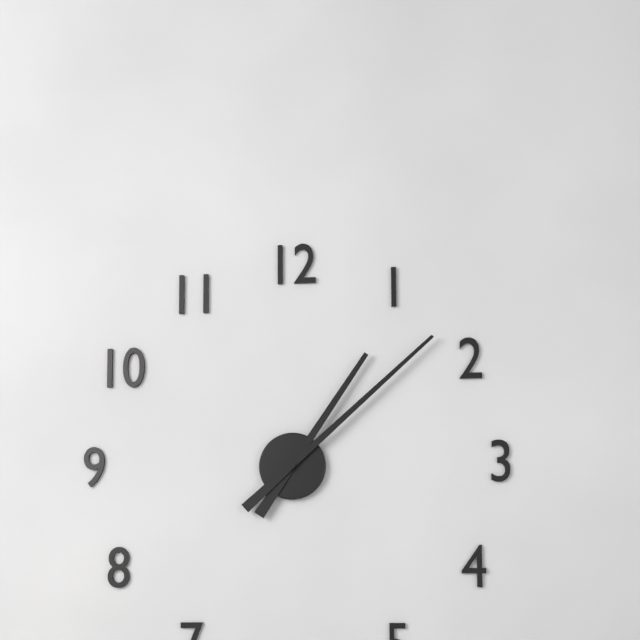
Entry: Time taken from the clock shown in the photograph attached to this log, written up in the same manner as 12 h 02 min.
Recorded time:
1 h 08 min
